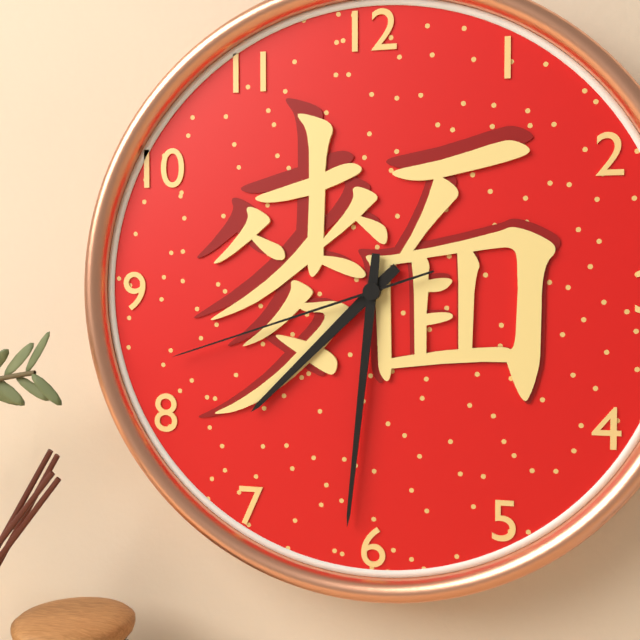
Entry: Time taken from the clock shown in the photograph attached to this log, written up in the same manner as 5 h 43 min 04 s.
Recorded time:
7 h 31 min 42 s
